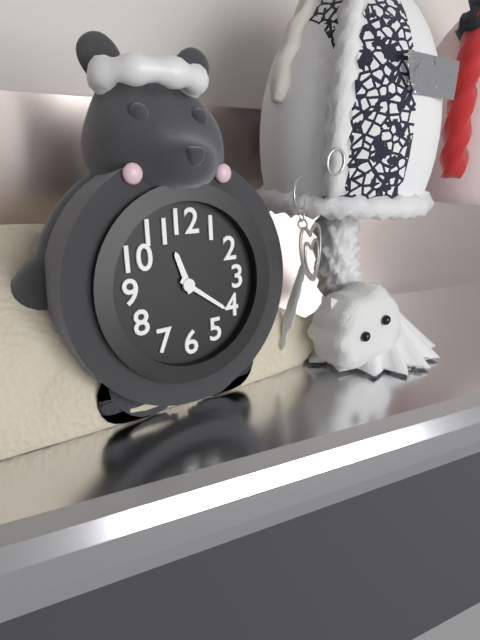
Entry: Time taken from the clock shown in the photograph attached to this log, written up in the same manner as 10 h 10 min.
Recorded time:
11 h 21 min
